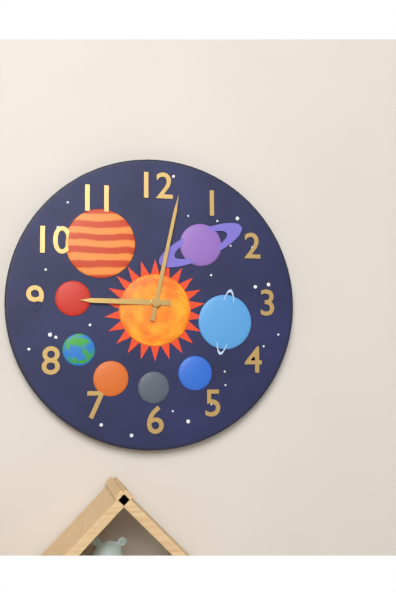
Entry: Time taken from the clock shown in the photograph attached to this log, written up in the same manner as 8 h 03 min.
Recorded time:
9 h 02 min
